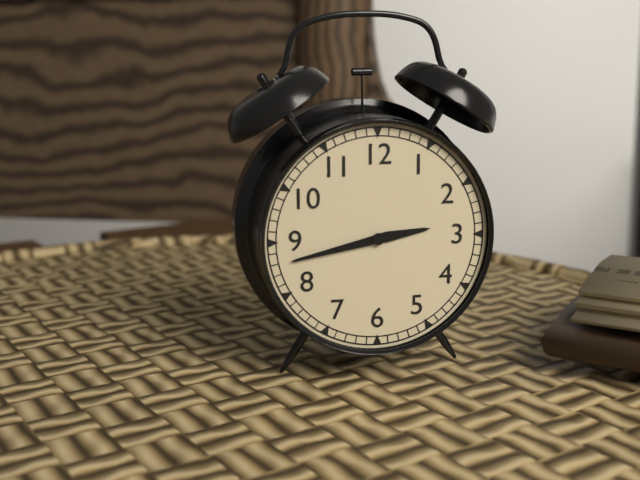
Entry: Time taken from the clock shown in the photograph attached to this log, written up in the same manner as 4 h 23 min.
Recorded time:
2 h 43 min
